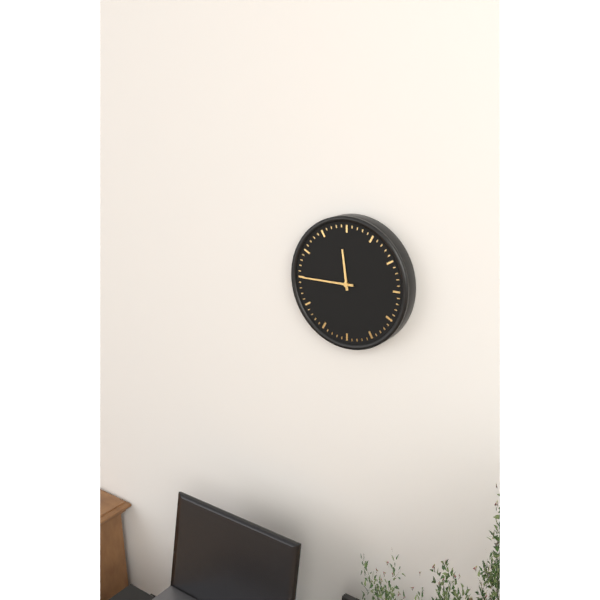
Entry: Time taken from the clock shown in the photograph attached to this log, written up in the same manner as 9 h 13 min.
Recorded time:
11 h 45 min
